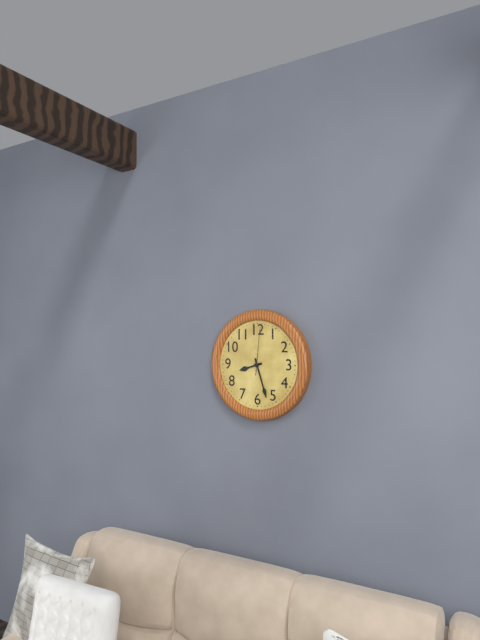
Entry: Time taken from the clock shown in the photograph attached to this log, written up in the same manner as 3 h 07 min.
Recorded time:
8 h 27 min
